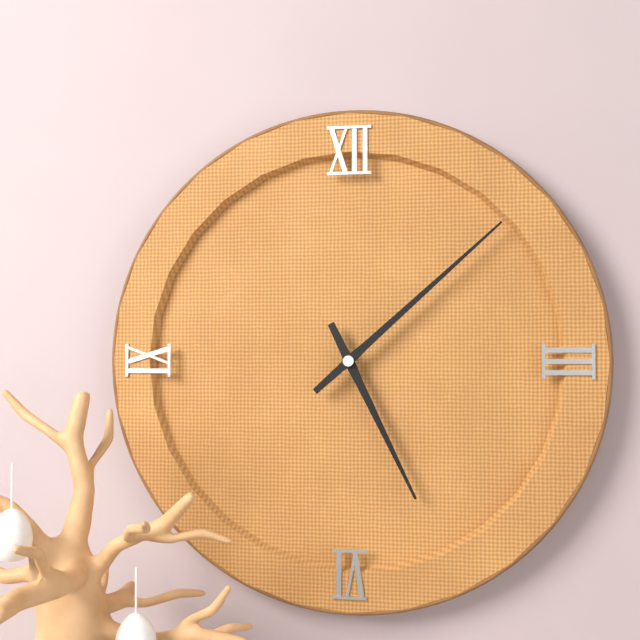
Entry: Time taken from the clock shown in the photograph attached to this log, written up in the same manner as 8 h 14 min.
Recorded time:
5 h 08 min
